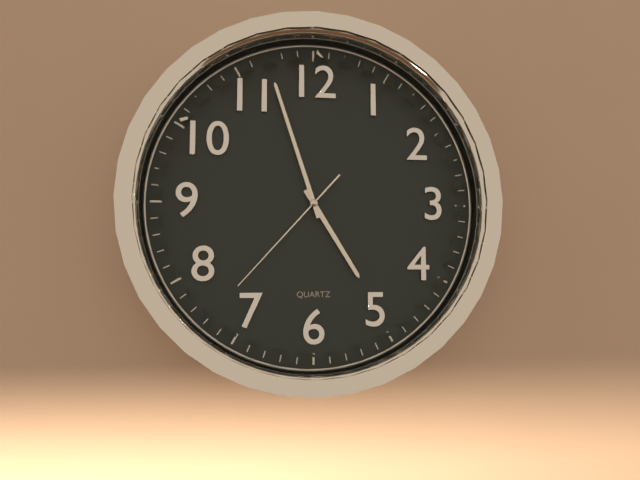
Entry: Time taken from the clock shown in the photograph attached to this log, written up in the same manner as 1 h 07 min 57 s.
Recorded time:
4 h 57 min 37 s
